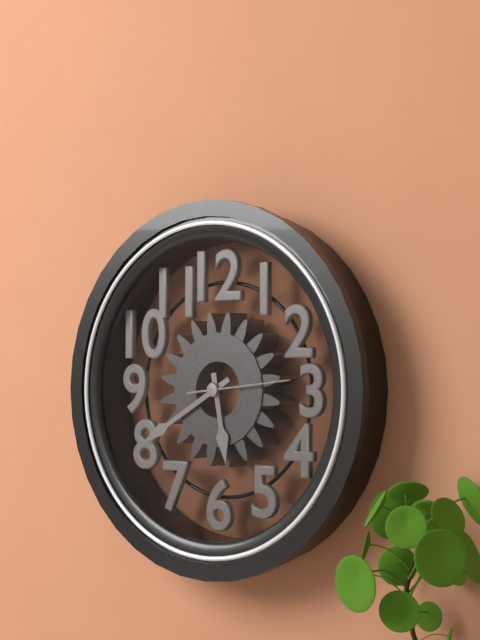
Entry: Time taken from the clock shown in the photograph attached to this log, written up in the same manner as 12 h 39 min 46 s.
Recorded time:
5 h 40 min 14 s
